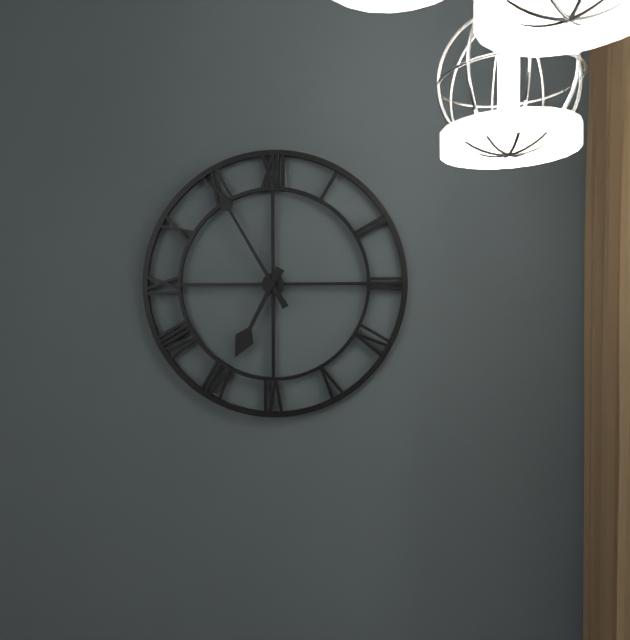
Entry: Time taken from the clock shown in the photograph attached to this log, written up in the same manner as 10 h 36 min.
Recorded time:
6 h 55 min
